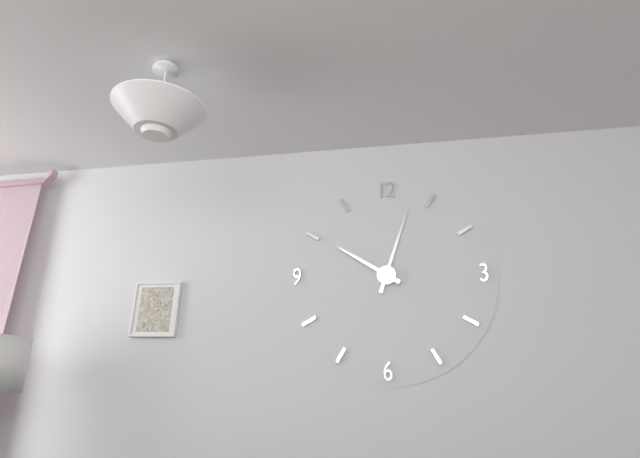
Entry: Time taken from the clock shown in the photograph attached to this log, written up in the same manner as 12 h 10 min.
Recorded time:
10 h 03 min
